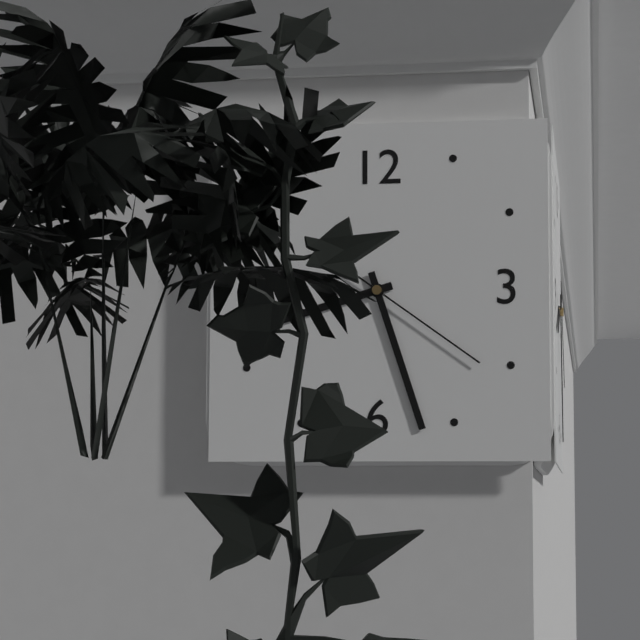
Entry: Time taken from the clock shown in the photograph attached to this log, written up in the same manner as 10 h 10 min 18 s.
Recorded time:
8 h 27 min 21 s
